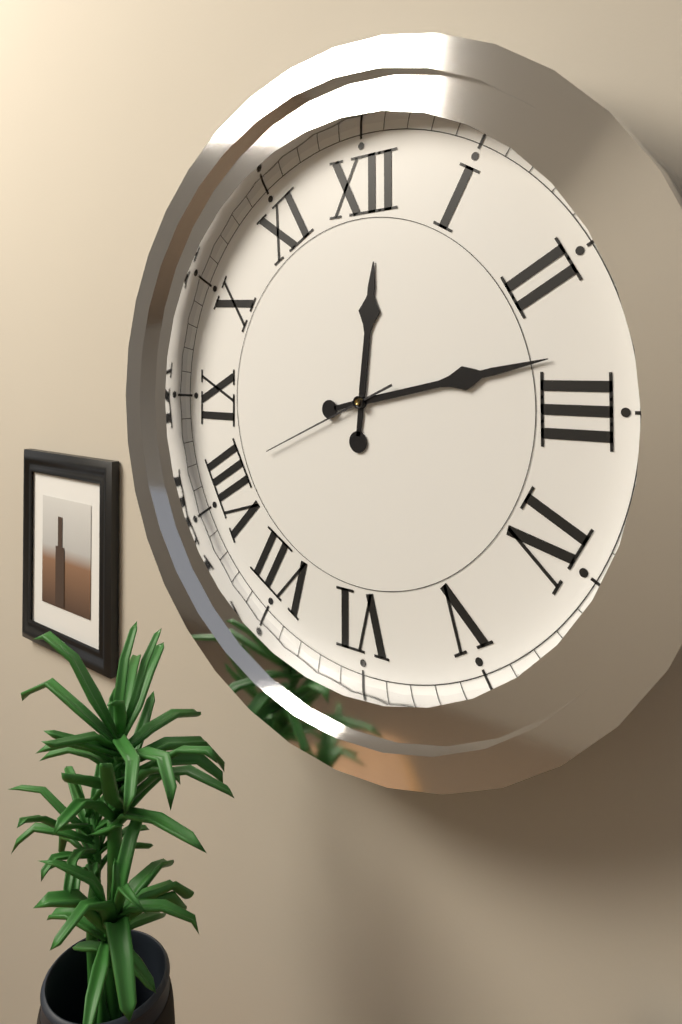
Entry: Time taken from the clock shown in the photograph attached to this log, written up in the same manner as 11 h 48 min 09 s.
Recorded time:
12 h 13 min 41 s
